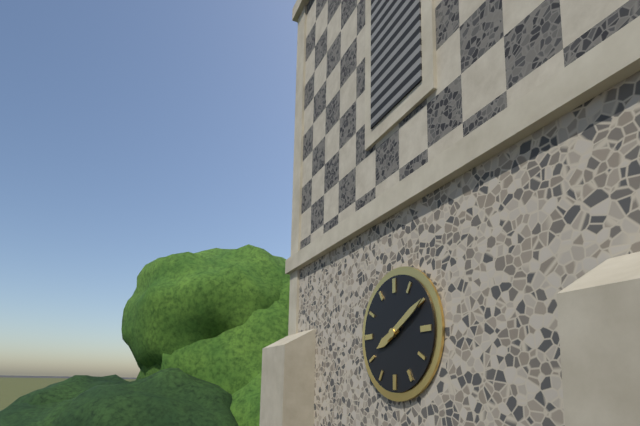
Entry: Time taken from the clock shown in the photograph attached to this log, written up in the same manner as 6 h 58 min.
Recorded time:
8 h 10 min
